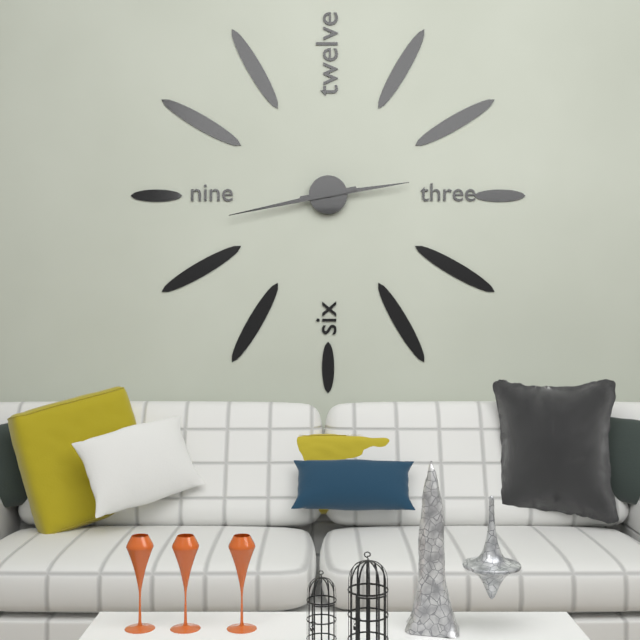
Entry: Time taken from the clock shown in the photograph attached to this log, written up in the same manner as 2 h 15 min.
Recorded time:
2 h 43 min
